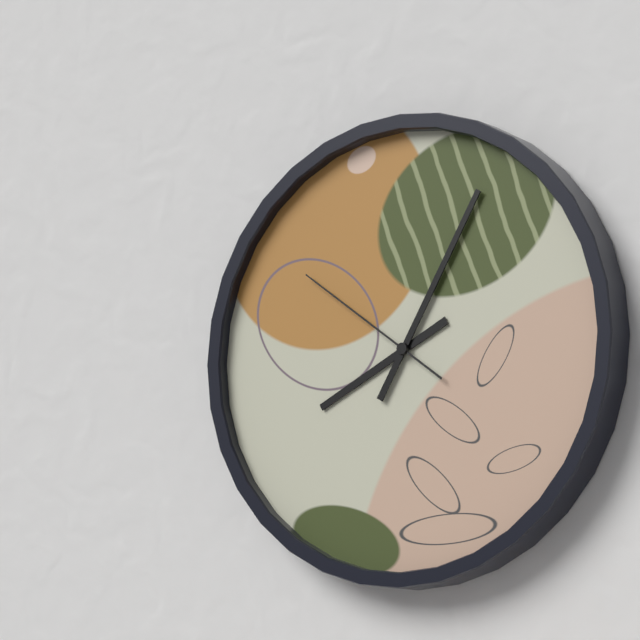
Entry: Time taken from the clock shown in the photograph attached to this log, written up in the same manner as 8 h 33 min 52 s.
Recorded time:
8 h 05 min 51 s
